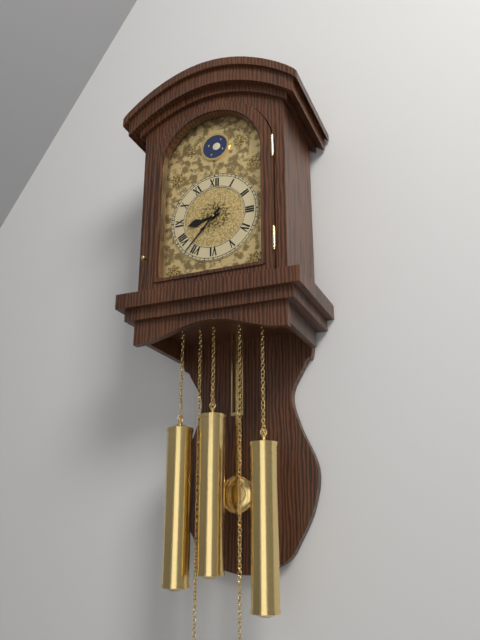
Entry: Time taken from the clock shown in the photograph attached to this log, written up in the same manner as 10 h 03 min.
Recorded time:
8 h 37 min
